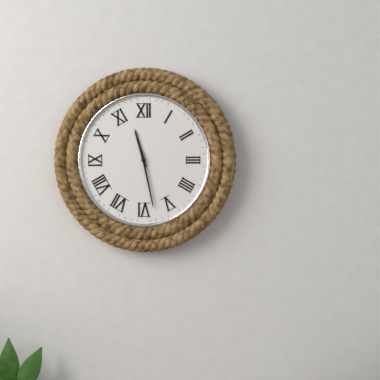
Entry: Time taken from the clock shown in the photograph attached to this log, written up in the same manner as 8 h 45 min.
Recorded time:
11 h 28 min
